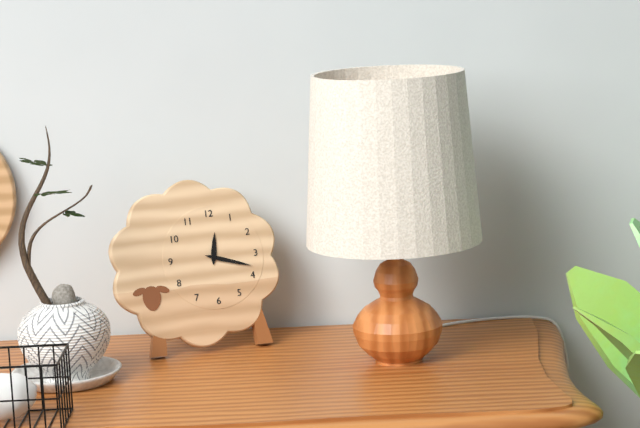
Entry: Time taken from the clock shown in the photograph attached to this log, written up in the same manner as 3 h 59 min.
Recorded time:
12 h 18 min
